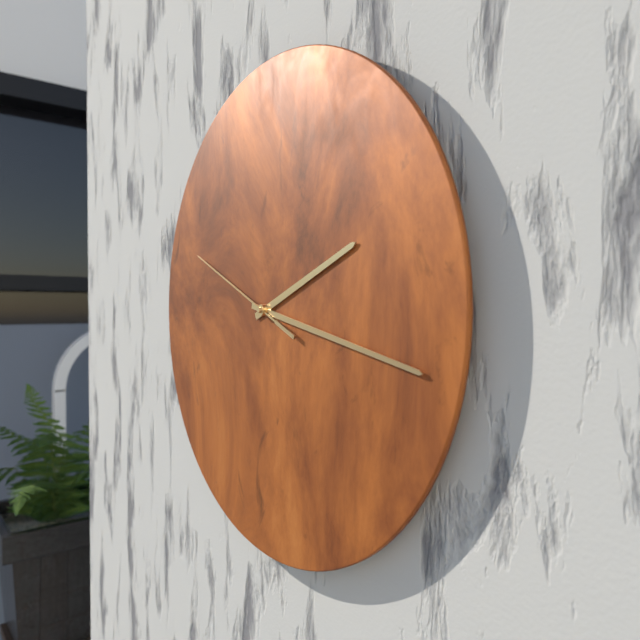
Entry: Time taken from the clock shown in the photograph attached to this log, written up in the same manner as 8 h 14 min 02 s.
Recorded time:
2 h 17 min 49 s
